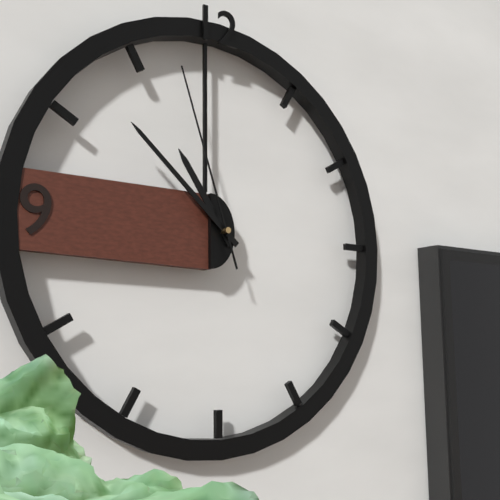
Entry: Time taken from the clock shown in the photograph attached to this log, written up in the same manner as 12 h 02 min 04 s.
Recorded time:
10 h 52 min 57 s
